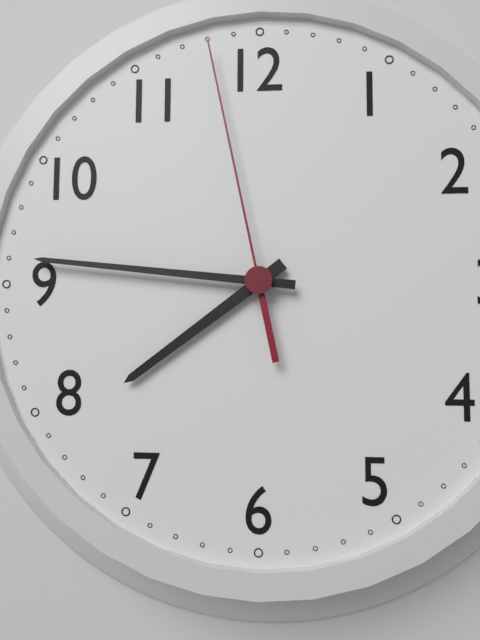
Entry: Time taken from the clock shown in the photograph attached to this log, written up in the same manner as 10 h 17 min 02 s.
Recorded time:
7 h 46 min 58 s
